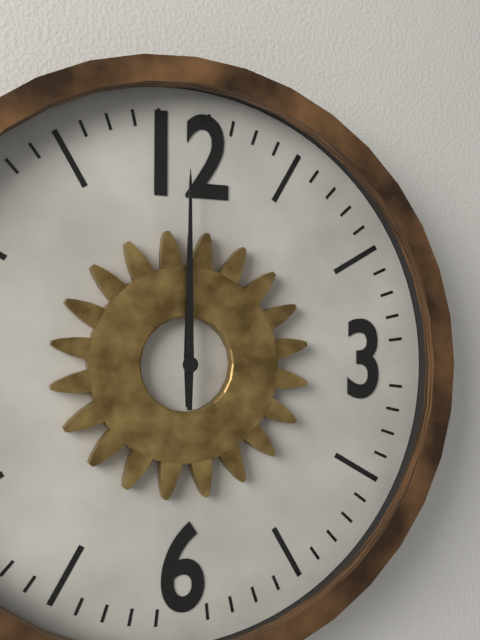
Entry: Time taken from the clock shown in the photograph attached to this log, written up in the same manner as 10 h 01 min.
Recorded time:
12 h 00 min
